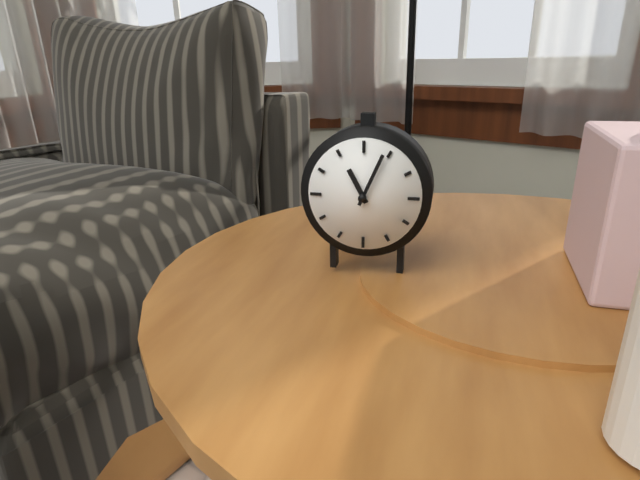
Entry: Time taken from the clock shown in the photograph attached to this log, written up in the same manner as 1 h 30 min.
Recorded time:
11 h 04 min
